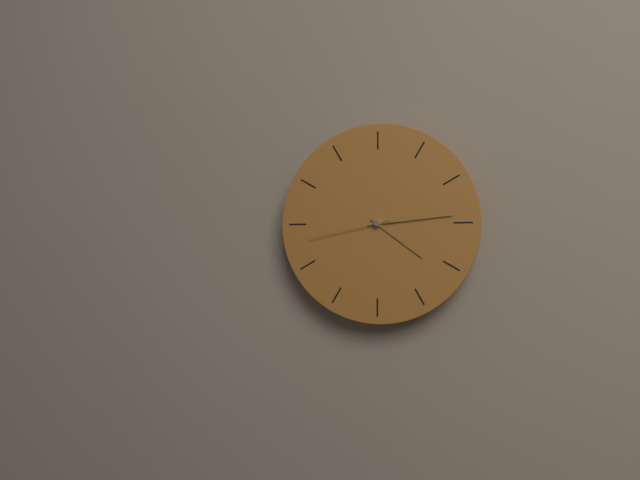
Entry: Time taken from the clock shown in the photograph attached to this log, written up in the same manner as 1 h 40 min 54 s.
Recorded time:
4 h 14 min 43 s
